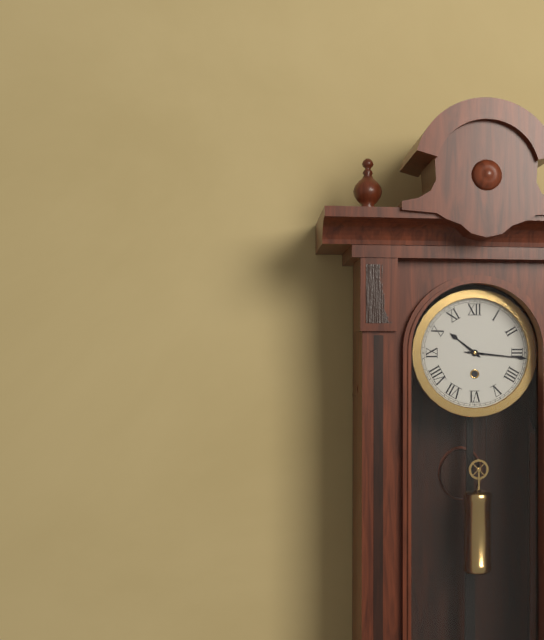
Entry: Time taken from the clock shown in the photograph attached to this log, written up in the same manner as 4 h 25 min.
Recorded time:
10 h 16 min
